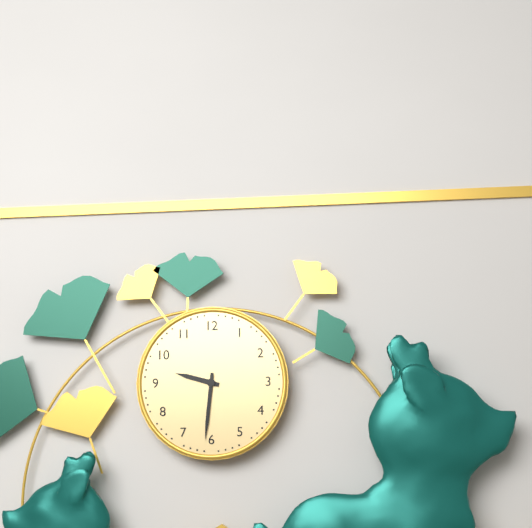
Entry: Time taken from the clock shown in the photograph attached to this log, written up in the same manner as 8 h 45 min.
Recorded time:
9 h 31 min
